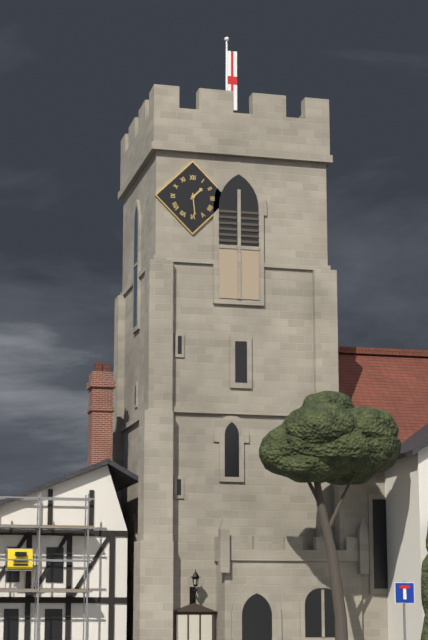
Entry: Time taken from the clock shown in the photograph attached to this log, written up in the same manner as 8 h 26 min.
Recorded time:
1 h 29 min
